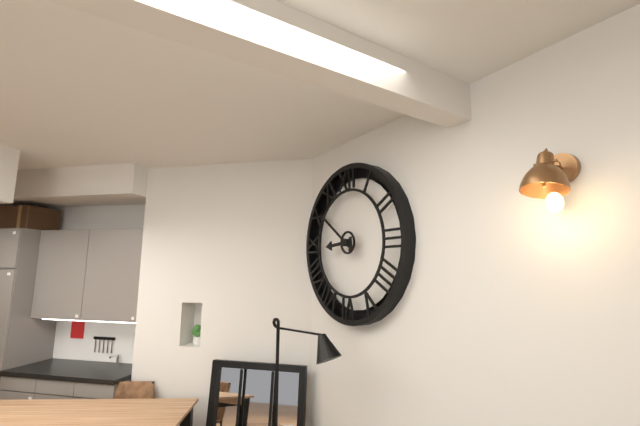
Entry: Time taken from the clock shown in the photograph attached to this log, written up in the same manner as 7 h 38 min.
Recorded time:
8 h 51 min
